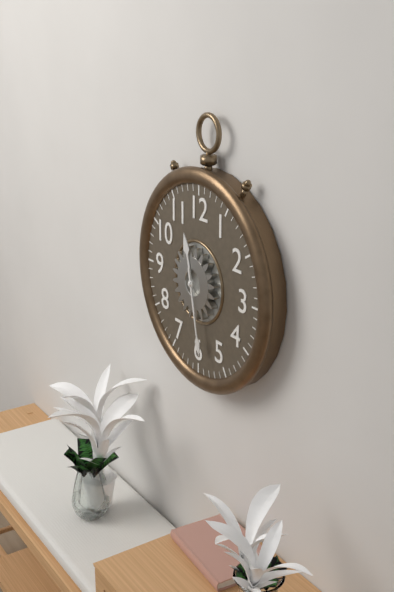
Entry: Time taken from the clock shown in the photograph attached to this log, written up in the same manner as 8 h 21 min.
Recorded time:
11 h 28 min
